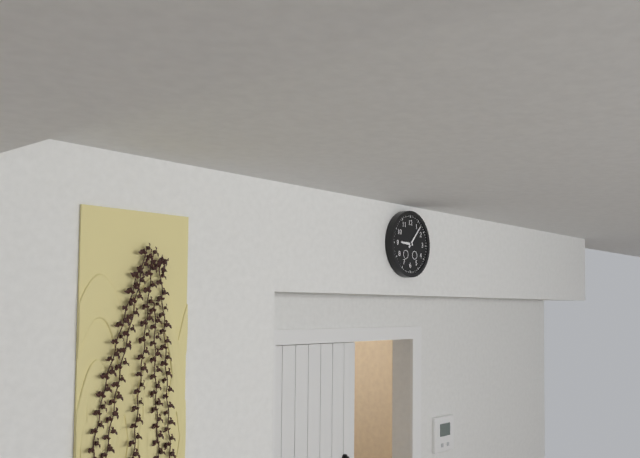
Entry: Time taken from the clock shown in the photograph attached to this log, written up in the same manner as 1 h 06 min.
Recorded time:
9 h 07 min
